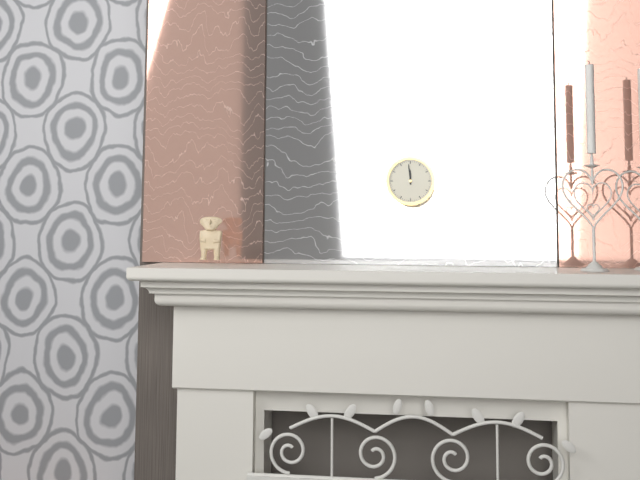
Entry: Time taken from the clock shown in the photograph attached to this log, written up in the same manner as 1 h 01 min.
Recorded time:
11 h 59 min
